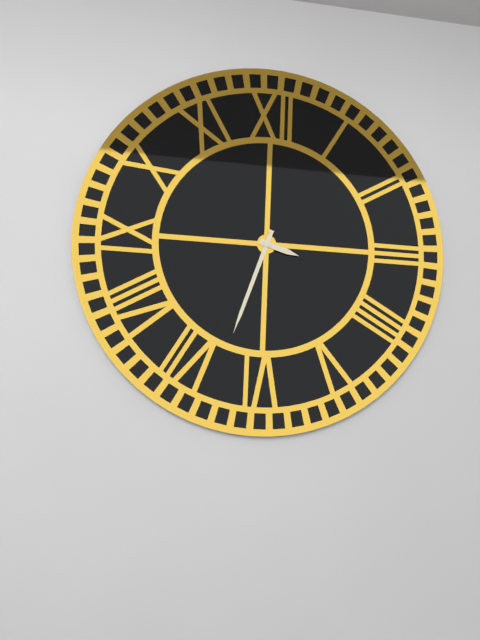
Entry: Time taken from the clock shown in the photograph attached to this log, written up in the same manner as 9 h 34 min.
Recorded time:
3 h 33 min
